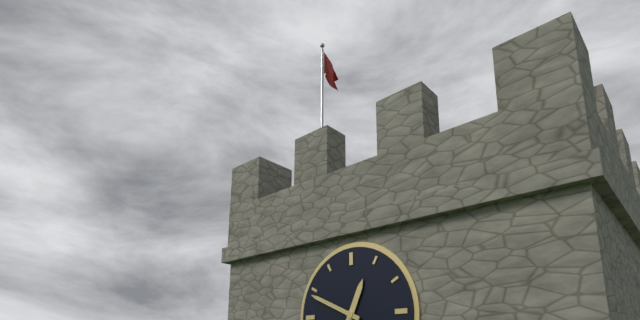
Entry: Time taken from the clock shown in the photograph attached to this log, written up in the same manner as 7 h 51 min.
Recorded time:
12 h 49 min
